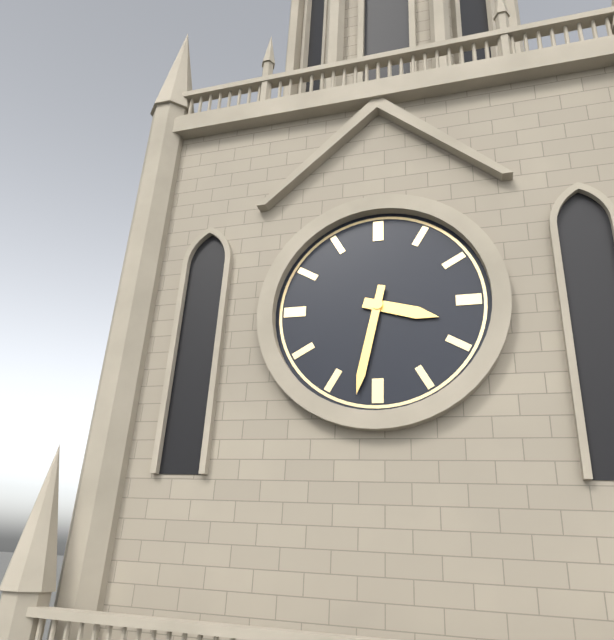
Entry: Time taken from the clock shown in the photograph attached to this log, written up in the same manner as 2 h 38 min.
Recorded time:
3 h 32 min
